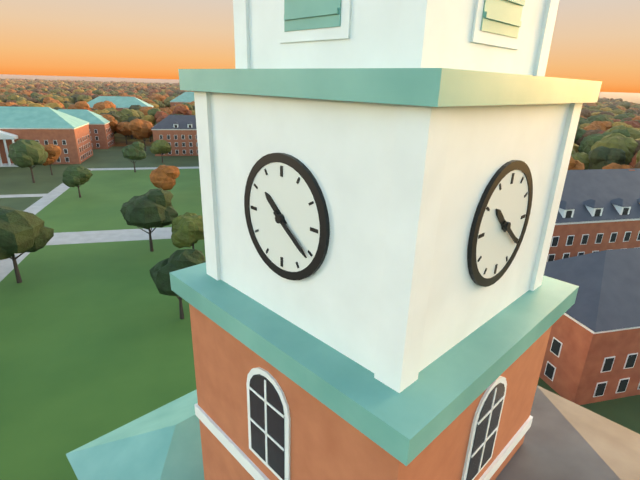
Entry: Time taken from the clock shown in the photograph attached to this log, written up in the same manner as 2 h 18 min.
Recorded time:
10 h 21 min
